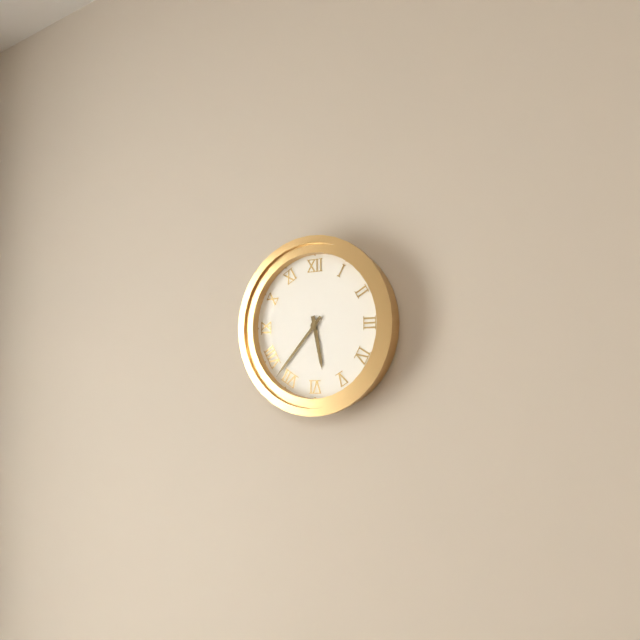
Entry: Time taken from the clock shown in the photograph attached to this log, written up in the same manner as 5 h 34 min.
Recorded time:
5 h 37 min
